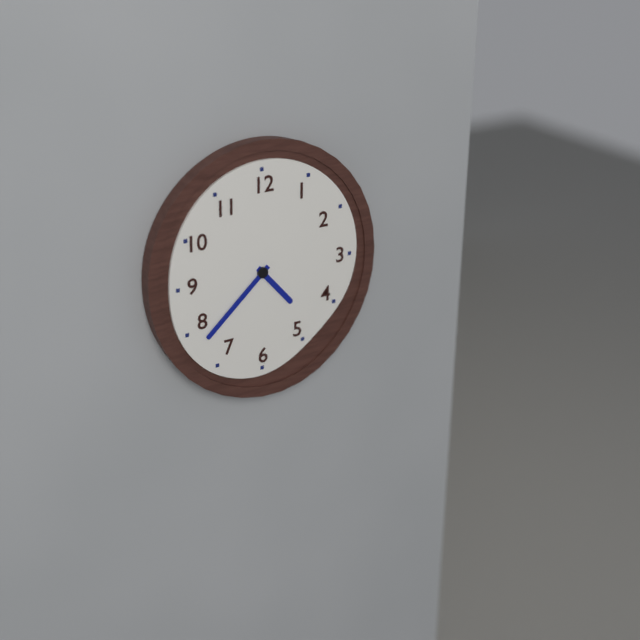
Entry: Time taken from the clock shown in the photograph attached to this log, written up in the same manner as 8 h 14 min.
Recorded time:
4 h 38 min
